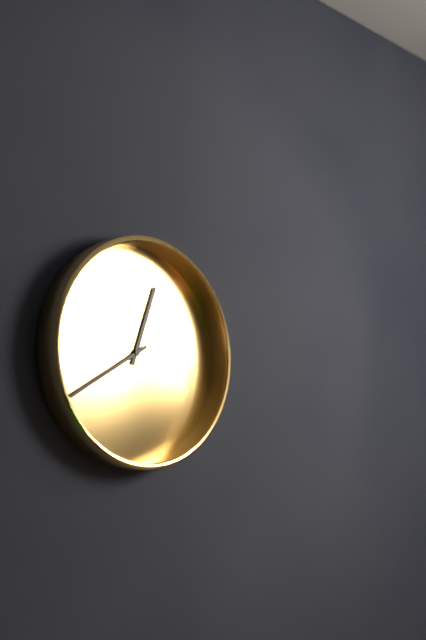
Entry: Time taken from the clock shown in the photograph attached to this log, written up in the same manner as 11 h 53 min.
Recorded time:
12 h 40 min
